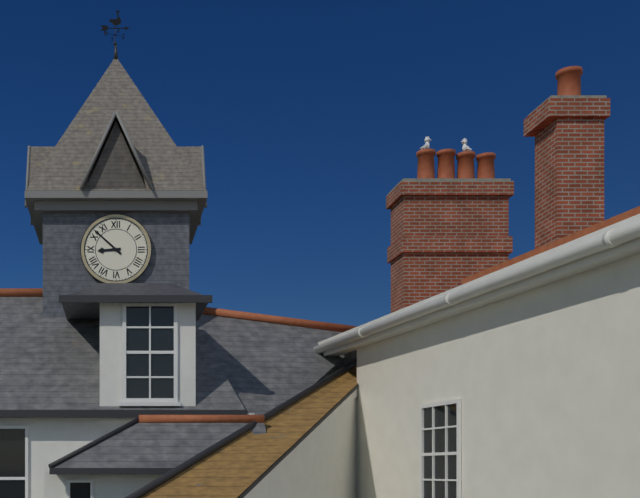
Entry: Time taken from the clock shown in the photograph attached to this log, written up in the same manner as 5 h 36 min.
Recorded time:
8 h 52 min
